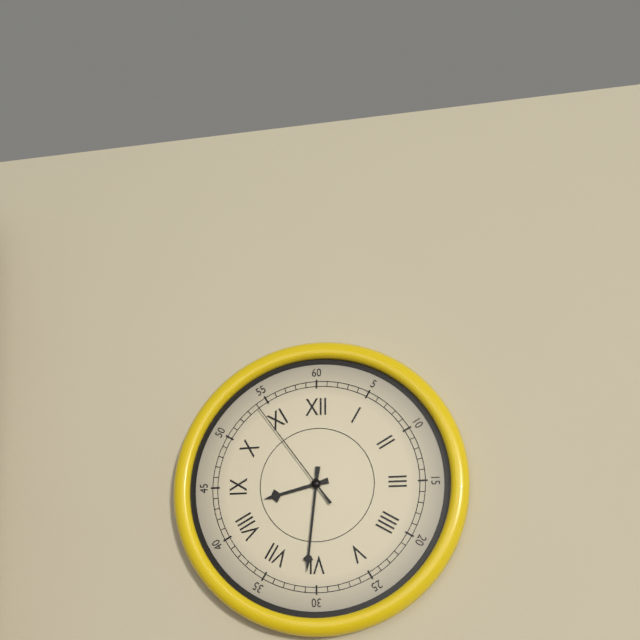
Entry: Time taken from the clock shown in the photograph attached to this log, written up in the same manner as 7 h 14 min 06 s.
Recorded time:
8 h 31 min 54 s
